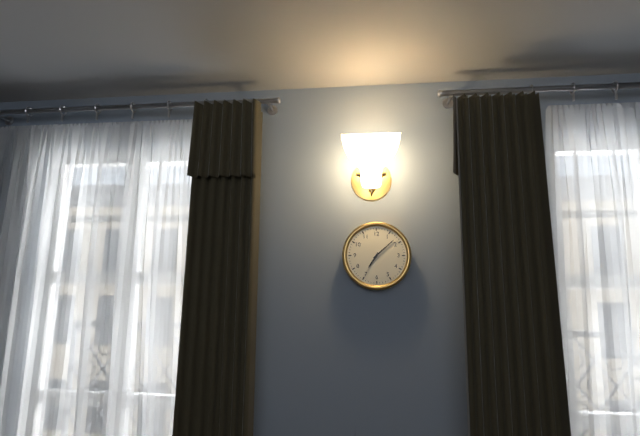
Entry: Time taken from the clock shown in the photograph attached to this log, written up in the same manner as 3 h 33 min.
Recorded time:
7 h 08 min
